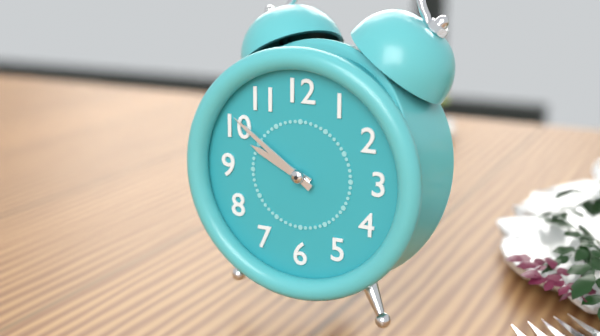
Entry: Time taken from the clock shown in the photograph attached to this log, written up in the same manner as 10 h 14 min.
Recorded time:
9 h 51 min
